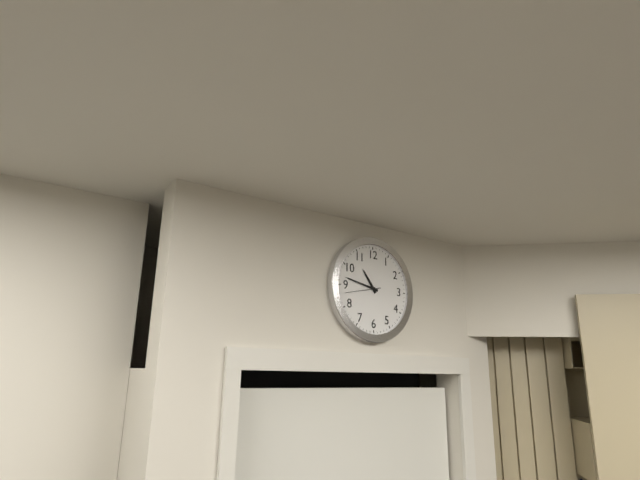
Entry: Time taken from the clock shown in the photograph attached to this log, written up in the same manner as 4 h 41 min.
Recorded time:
10 h 47 min
